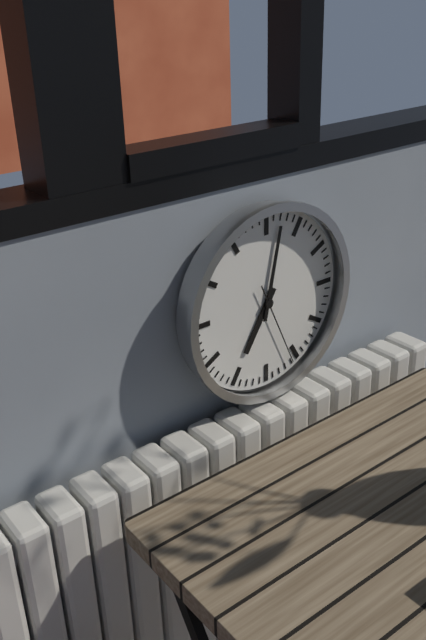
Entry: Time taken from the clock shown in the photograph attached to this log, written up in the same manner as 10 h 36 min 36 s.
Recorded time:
7 h 02 min 26 s
